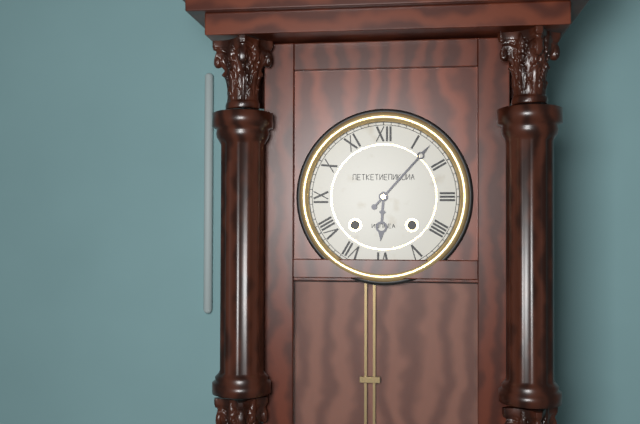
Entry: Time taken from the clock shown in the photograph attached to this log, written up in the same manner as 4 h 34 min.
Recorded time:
6 h 07 min
